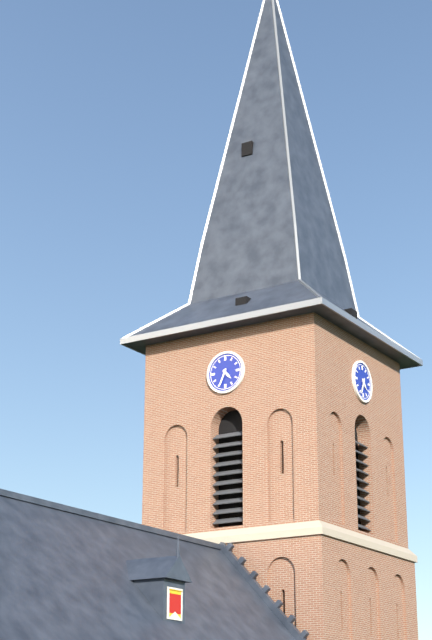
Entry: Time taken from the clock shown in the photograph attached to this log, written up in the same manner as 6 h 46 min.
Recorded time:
4 h 34 min
